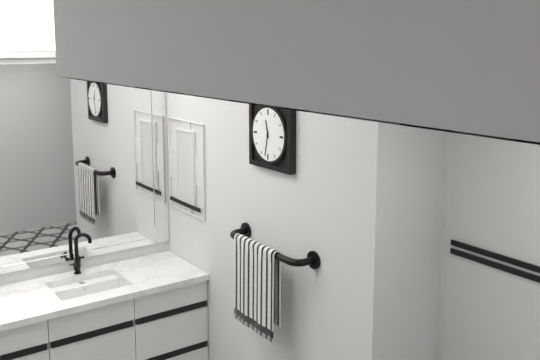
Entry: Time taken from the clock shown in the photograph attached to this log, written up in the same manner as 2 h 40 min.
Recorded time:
11 h 32 min
